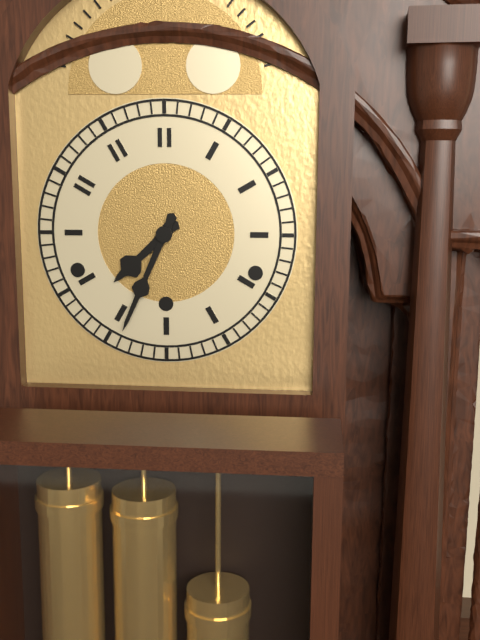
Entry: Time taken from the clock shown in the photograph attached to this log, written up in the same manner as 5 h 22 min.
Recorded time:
7 h 34 min
